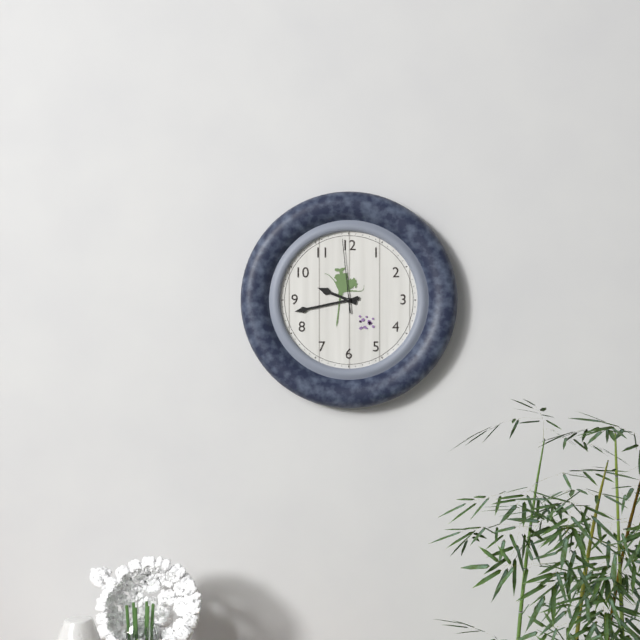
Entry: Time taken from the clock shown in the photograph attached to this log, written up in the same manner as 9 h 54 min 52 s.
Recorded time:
9 h 43 min 59 s
